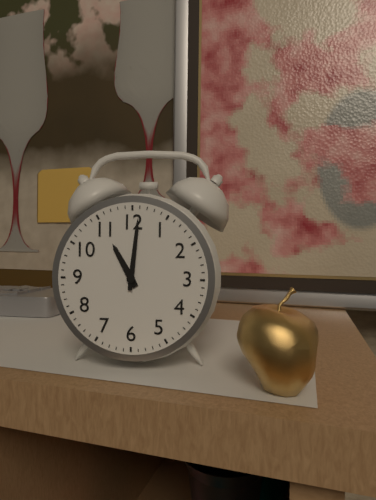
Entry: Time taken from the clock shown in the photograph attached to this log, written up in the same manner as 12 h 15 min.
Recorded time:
11 h 01 min
